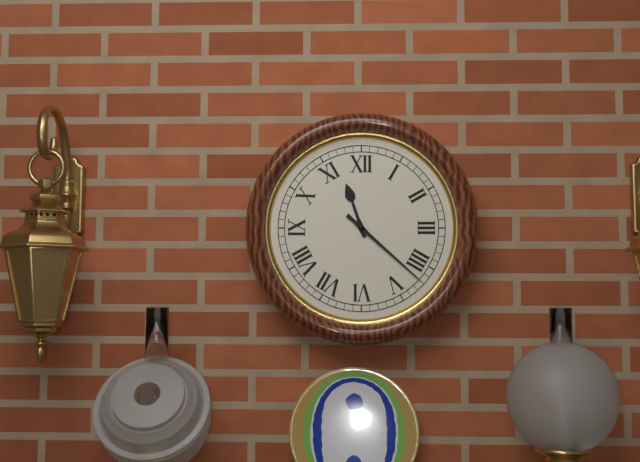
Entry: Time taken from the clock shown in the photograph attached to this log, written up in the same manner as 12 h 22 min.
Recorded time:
11 h 22 min
